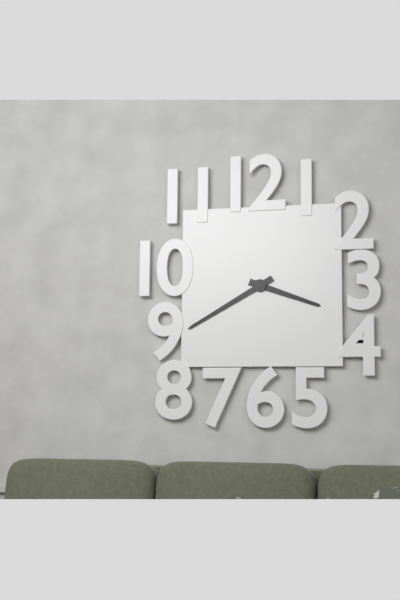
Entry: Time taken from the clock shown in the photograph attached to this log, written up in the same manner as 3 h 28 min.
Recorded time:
3 h 40 min
